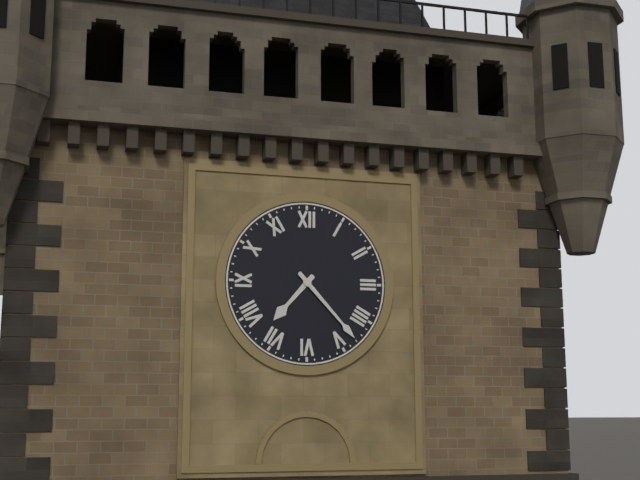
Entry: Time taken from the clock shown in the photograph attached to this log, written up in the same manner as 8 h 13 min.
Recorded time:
7 h 23 min
